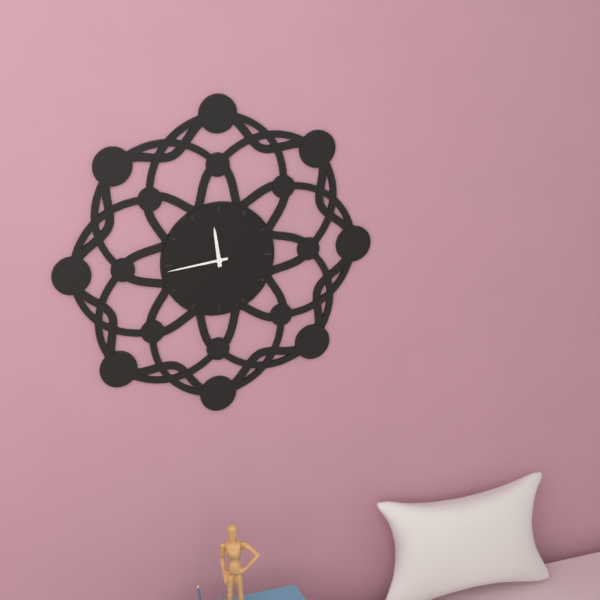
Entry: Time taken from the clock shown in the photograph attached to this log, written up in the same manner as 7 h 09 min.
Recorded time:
11 h 44 min
